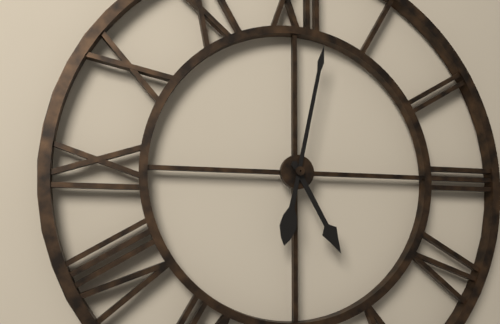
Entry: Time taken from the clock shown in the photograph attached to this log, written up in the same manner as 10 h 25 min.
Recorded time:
5 h 02 min
